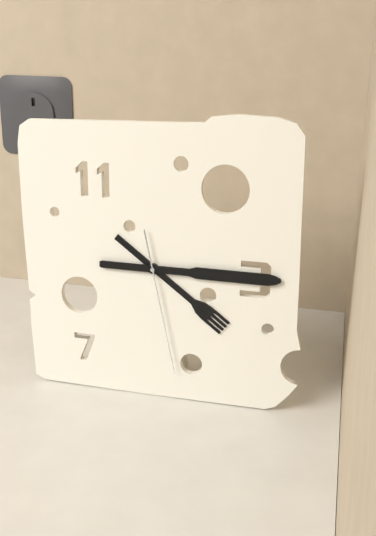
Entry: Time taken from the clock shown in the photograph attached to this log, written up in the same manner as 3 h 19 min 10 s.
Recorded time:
4 h 15 min 28 s
